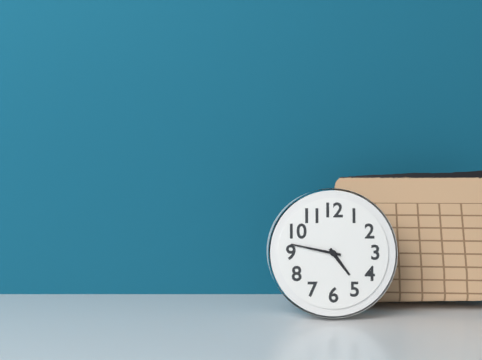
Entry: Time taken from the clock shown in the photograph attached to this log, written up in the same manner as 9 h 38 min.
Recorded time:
4 h 47 min
